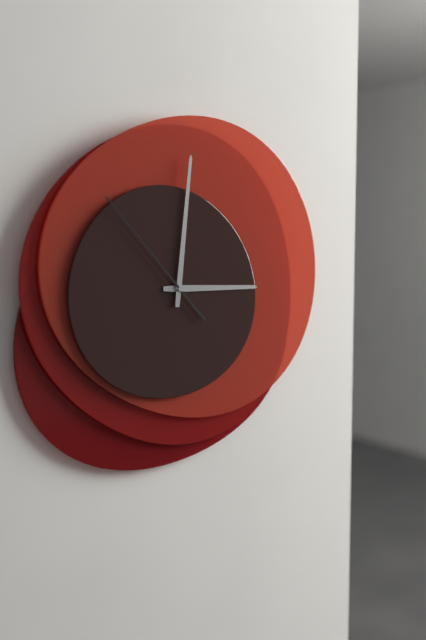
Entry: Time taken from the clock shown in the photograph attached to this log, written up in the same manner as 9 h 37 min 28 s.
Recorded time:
3 h 01 min 53 s
